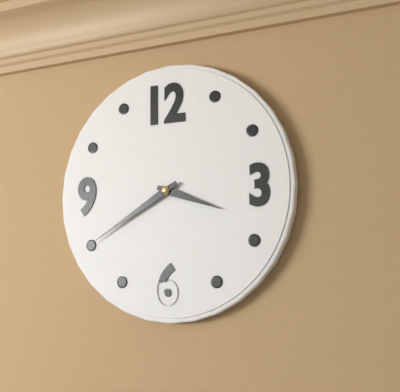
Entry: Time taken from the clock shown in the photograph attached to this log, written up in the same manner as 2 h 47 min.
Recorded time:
3 h 40 min
